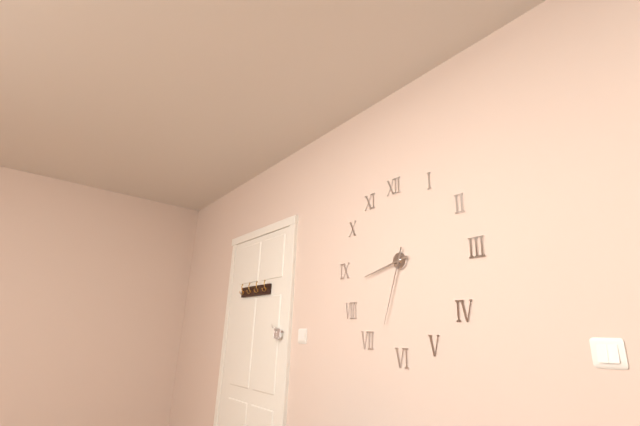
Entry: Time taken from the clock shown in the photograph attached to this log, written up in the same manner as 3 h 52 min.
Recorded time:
8 h 33 min
